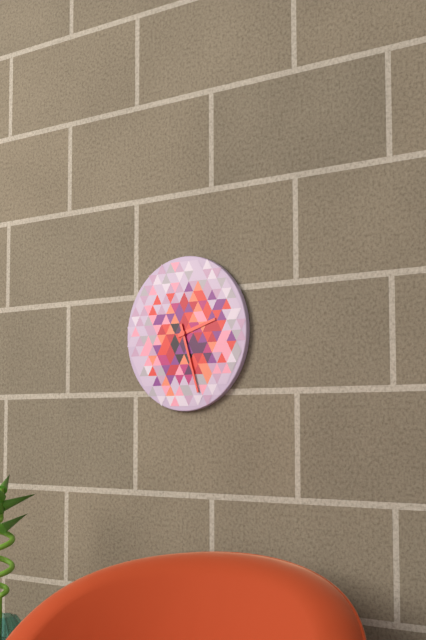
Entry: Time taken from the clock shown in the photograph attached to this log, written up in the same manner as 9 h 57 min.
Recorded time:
2 h 27 min
